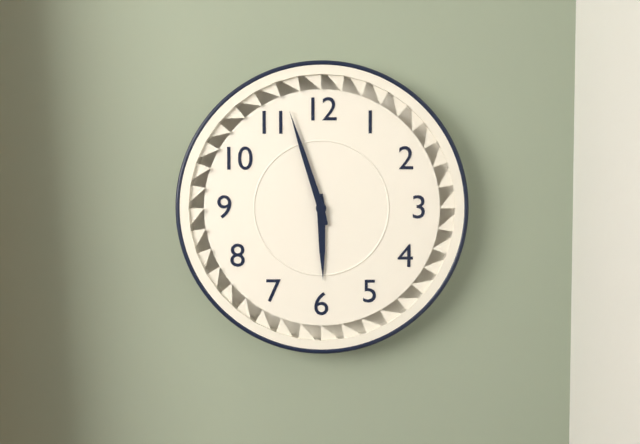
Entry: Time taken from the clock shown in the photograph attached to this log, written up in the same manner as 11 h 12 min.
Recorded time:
5 h 57 min
